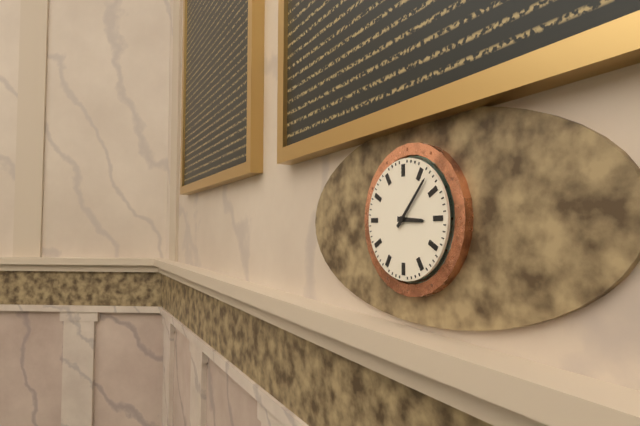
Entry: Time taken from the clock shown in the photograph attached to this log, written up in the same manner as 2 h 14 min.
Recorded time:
3 h 07 min
